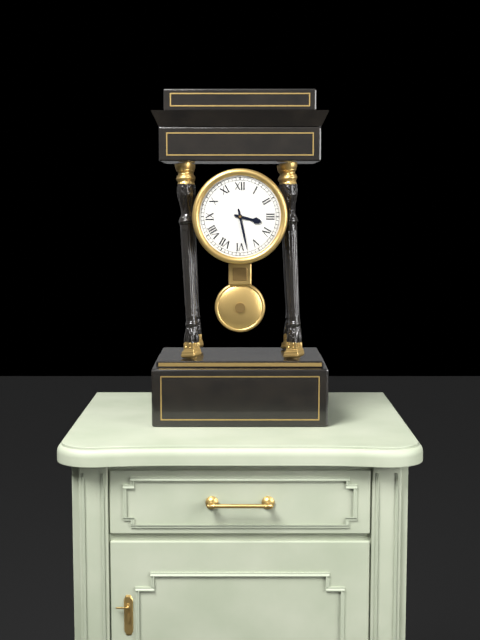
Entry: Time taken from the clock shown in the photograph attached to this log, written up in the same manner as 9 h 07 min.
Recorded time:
3 h 28 min
